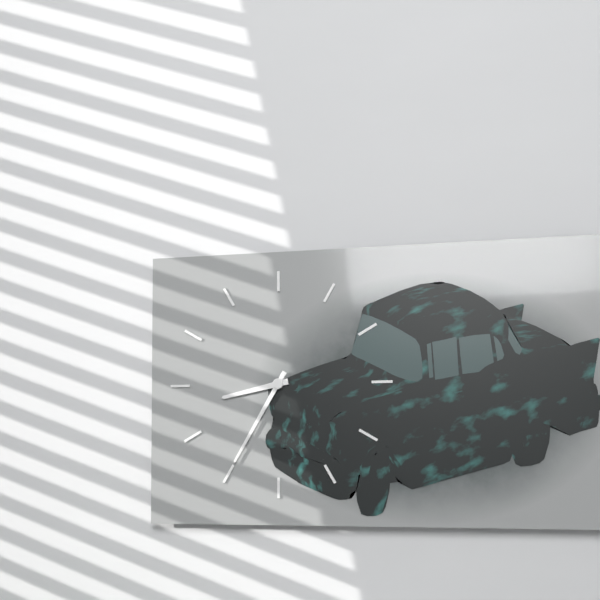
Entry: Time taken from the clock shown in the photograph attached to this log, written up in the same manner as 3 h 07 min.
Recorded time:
8 h 35 min
